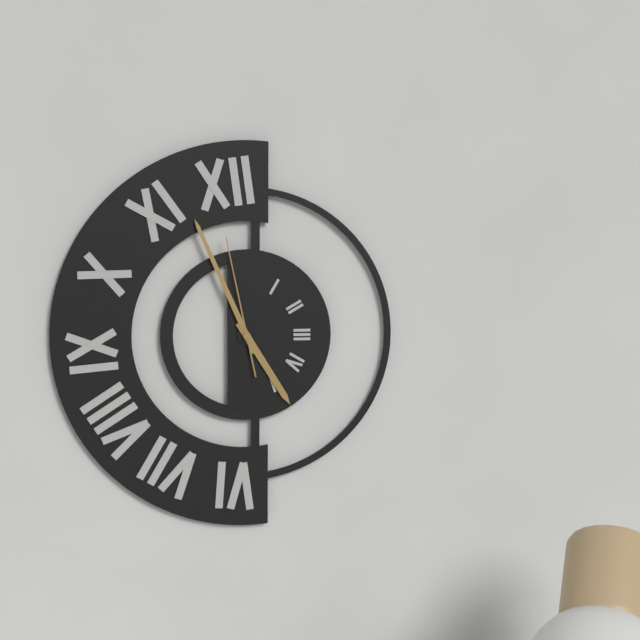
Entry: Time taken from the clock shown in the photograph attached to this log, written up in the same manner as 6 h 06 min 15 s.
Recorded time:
4 h 56 min 58 s
